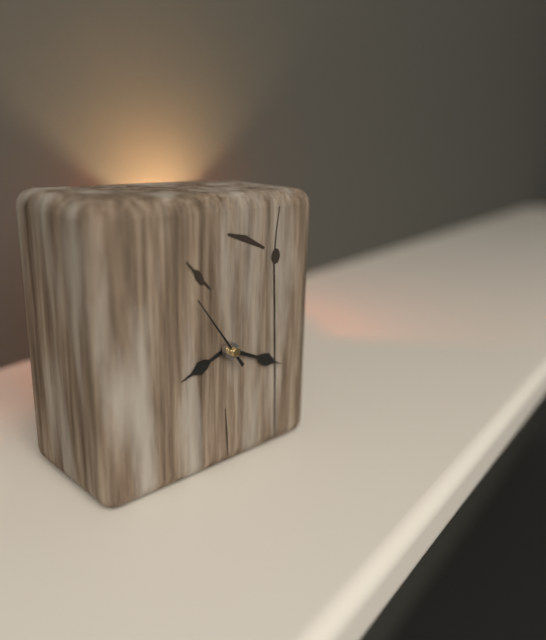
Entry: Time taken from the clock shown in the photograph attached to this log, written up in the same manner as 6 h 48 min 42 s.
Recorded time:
8 h 19 min 54 s
